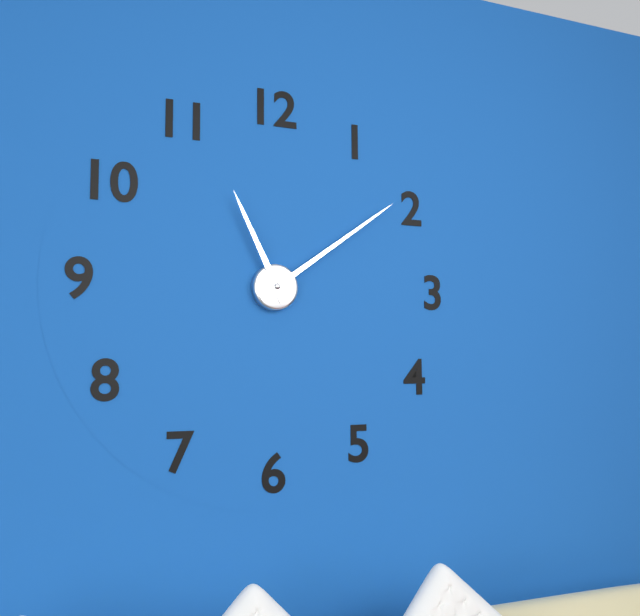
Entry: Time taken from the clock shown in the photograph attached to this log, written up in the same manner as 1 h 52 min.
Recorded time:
11 h 09 min
